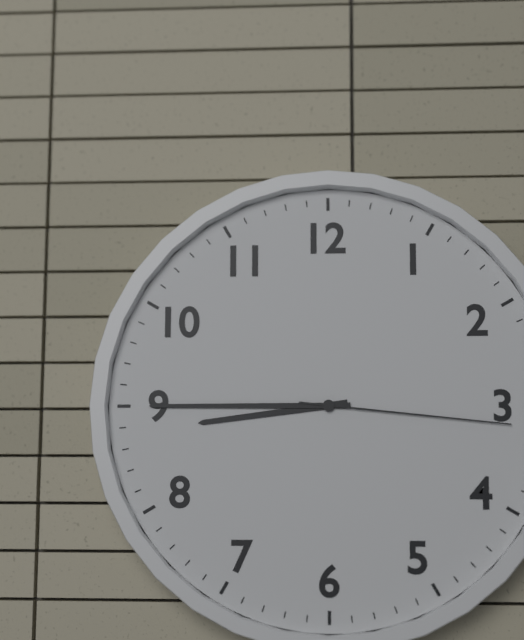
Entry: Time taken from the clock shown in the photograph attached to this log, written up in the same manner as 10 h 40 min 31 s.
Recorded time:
8 h 45 min 16 s
